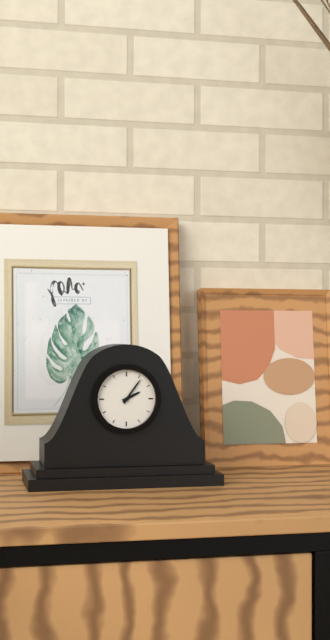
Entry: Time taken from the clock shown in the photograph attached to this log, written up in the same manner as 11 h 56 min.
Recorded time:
2 h 06 min
